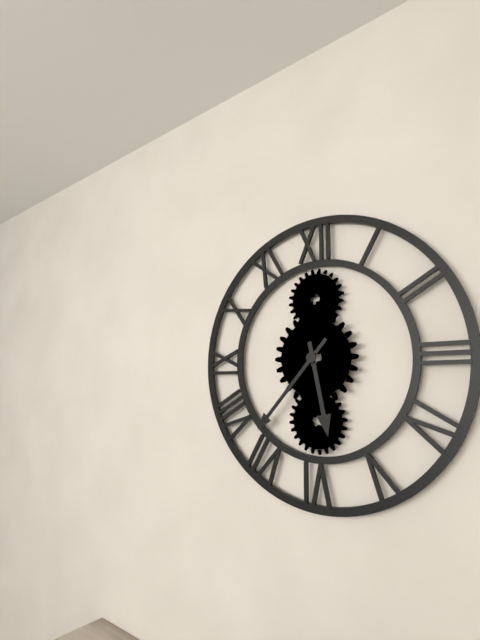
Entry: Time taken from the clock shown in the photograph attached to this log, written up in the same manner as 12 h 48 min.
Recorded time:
5 h 37 min
